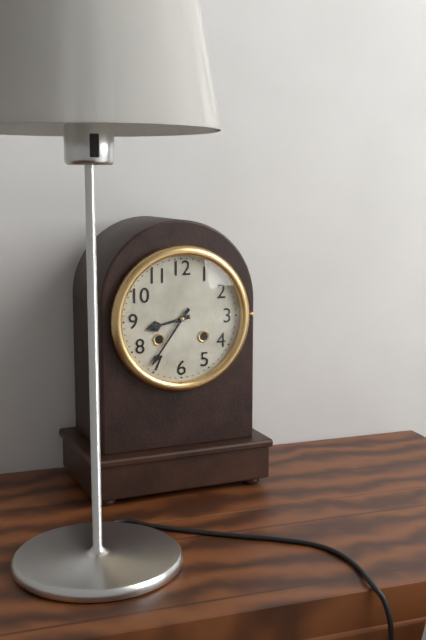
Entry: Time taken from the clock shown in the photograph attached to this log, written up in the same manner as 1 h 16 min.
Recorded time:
8 h 36 min
